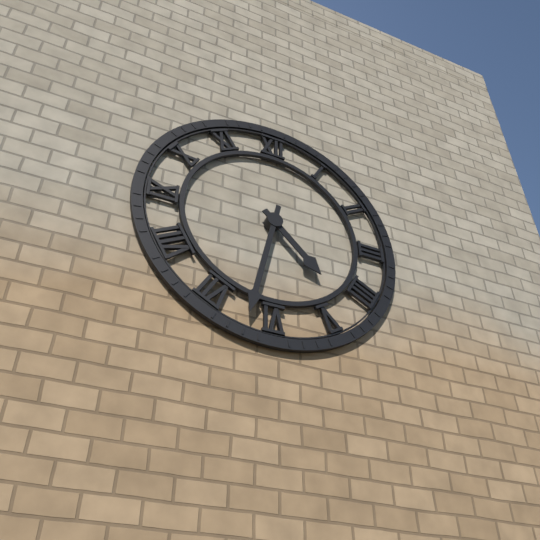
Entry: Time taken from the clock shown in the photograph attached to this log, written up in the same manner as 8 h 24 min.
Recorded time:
4 h 32 min
